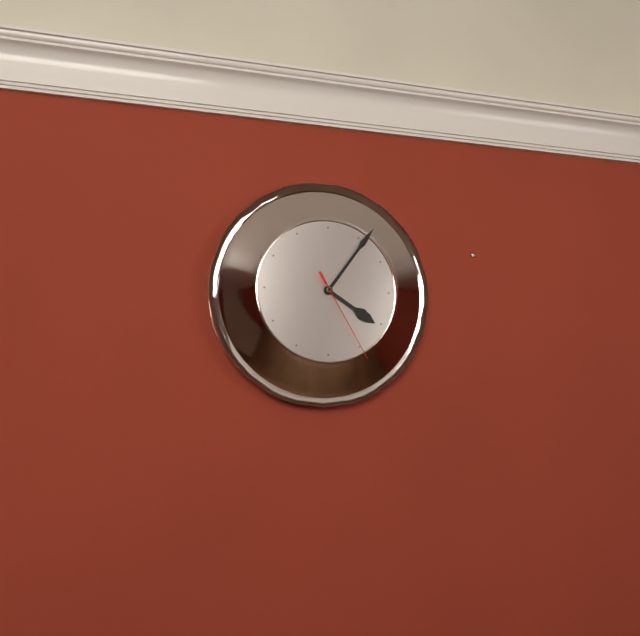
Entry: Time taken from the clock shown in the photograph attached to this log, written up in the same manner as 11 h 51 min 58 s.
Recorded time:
4 h 06 min 25 s
